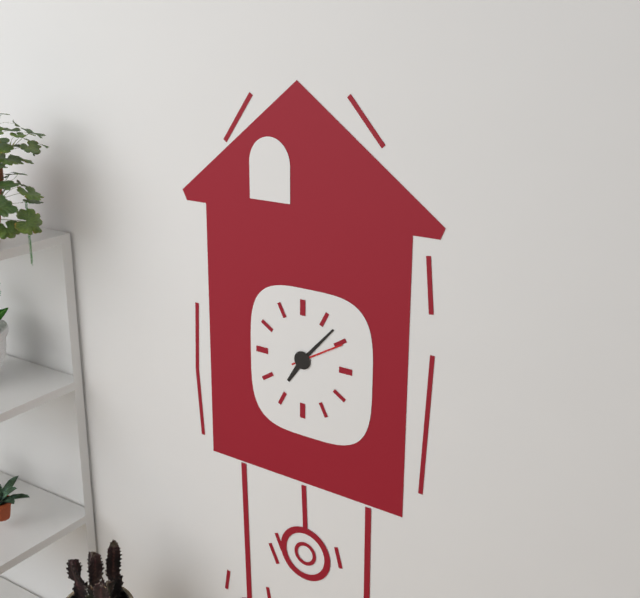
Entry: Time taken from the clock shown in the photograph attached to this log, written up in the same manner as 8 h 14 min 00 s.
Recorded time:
7 h 07 min 10 s
